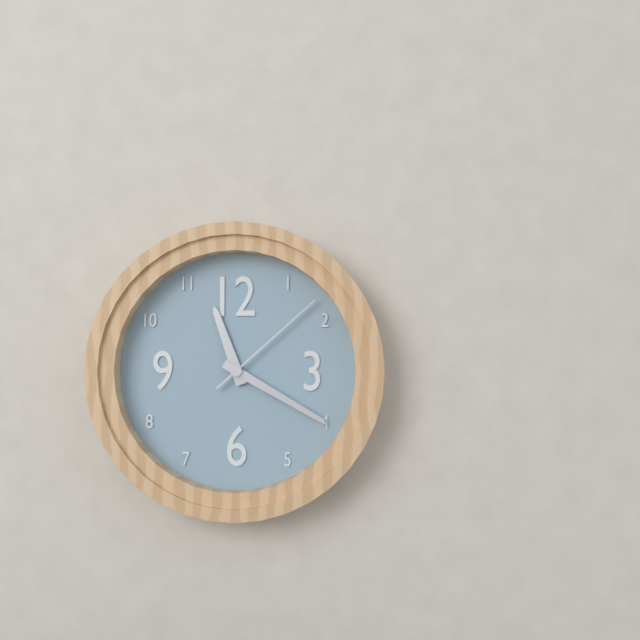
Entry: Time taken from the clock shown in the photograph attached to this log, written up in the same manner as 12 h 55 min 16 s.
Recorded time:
11 h 20 min 08 s
